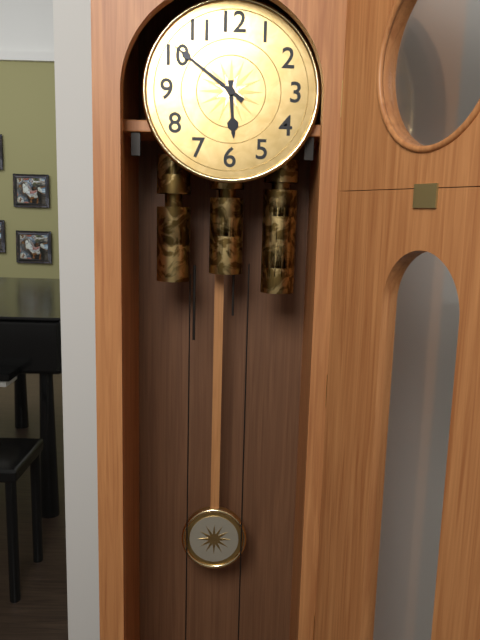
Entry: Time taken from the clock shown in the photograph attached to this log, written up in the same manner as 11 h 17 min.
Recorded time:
5 h 51 min
